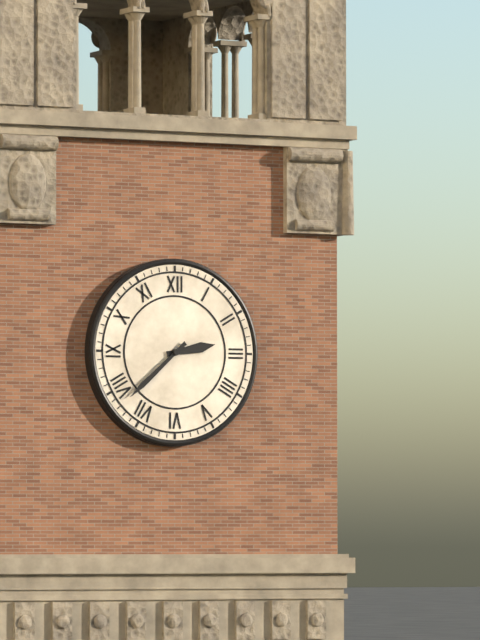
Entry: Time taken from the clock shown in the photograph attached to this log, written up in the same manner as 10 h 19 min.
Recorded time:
2 h 38 min
